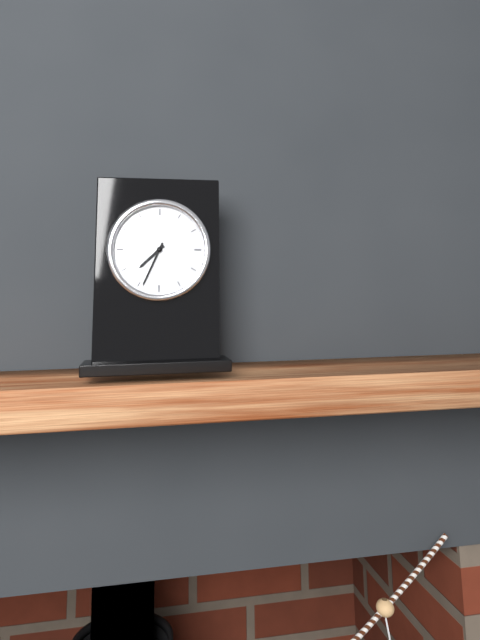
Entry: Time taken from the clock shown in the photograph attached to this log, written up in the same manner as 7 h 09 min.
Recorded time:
7 h 34 min
